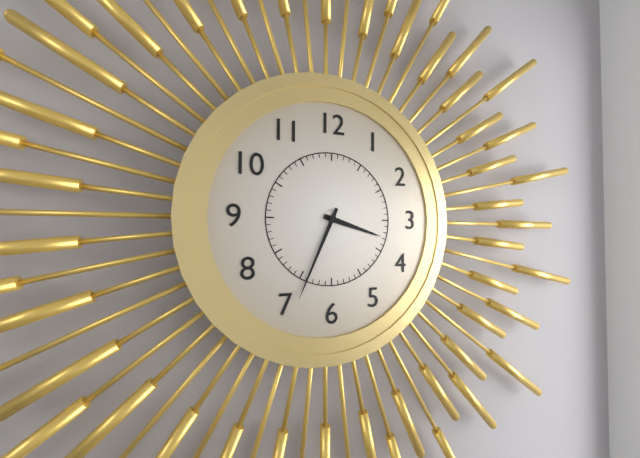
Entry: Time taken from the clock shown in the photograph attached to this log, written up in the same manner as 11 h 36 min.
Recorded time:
3 h 34 min
